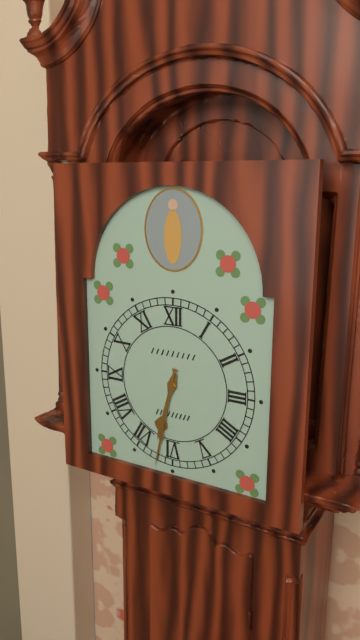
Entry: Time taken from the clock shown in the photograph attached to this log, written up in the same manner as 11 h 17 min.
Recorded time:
6 h 32 min
